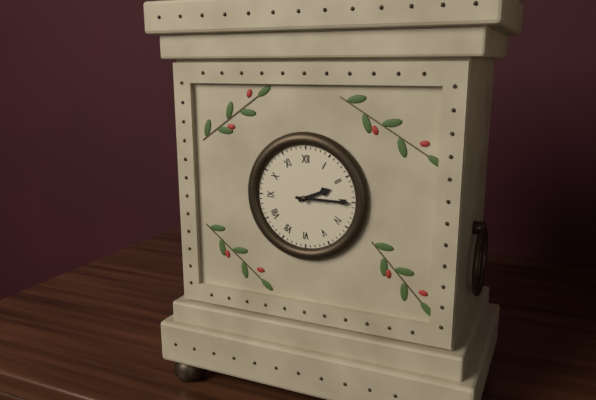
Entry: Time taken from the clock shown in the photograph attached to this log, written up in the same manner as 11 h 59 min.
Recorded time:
2 h 15 min
